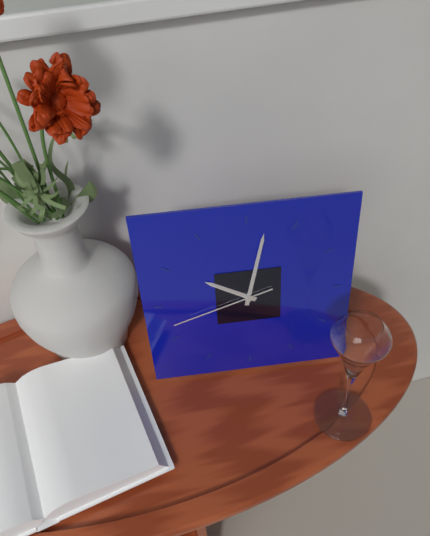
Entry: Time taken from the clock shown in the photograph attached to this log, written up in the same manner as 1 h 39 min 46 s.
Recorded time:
10 h 02 min 42 s
